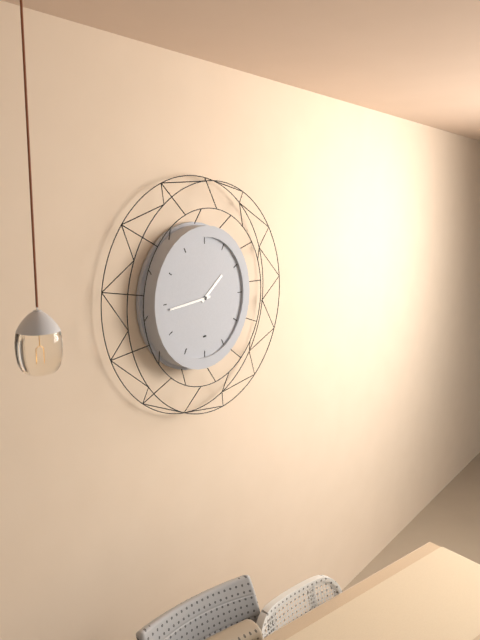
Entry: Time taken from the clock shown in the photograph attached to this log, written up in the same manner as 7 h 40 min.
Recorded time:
1 h 44 min
